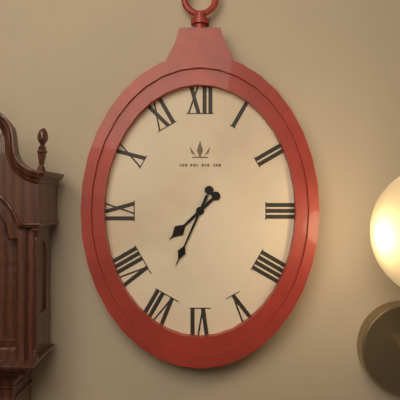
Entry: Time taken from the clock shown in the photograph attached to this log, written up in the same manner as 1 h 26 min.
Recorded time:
7 h 34 min
